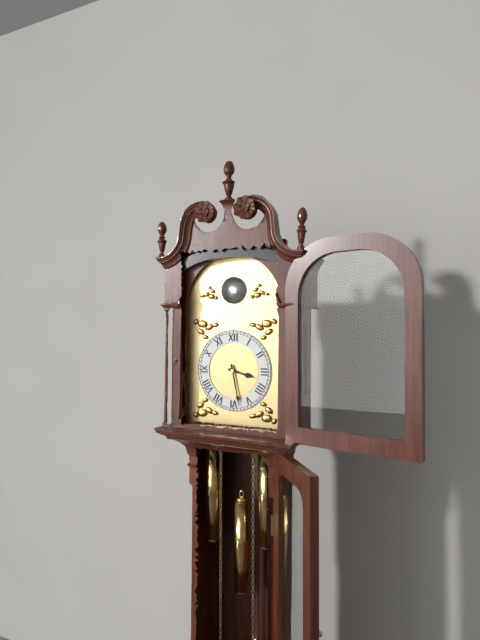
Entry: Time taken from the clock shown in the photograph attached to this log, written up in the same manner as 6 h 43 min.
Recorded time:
3 h 28 min
